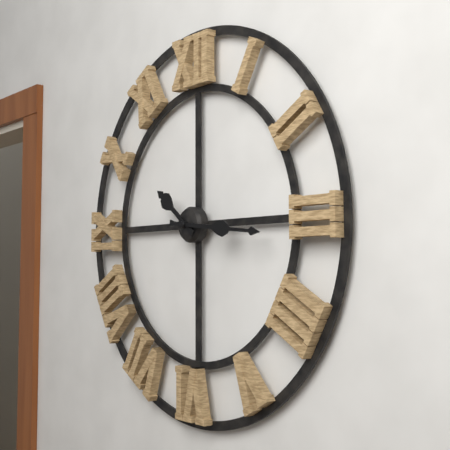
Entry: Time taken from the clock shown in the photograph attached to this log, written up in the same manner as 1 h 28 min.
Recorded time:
10 h 16 min
